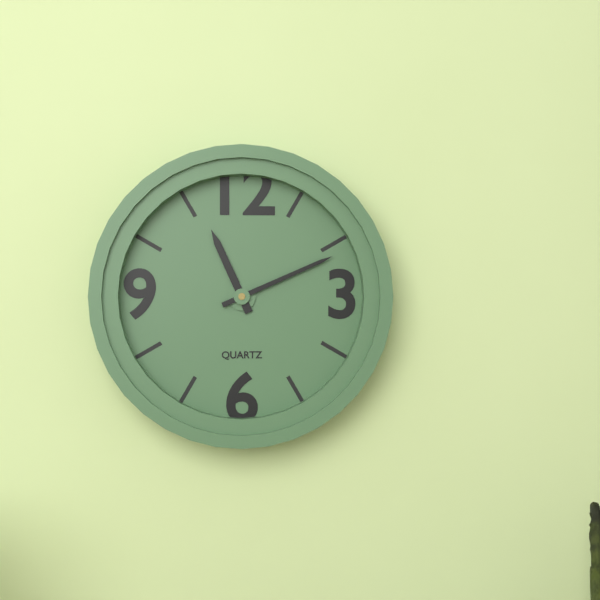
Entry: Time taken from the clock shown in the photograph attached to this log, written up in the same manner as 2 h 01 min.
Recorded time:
11 h 11 min
